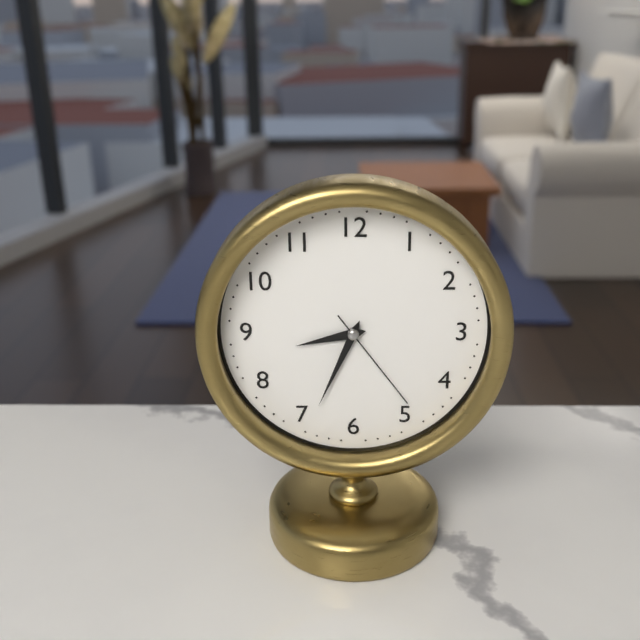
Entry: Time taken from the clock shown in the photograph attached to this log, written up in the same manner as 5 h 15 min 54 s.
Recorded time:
8 h 34 min 24 s
